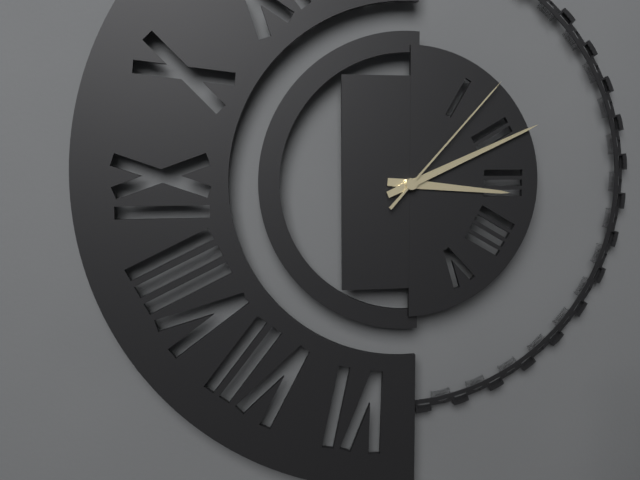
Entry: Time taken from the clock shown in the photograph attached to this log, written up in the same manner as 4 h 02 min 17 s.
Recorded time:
3 h 11 min 07 s
